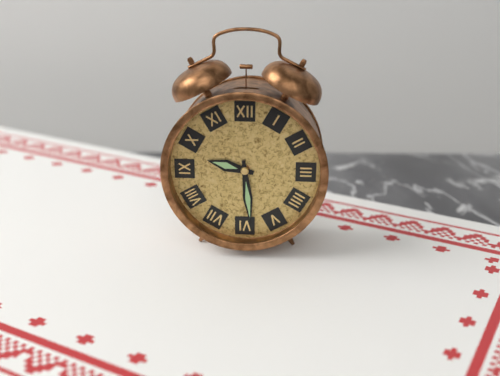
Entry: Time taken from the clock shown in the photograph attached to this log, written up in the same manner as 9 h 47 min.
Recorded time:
9 h 29 min
